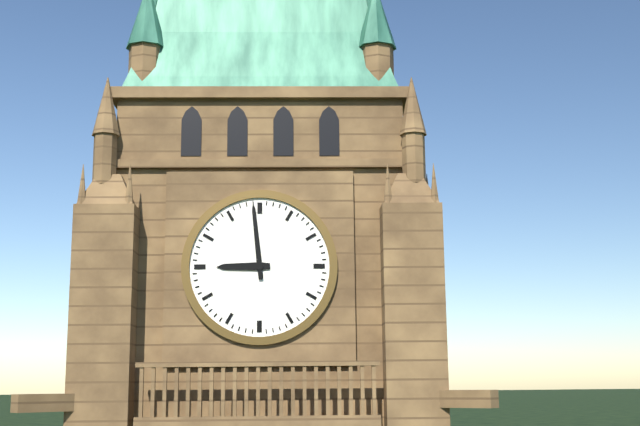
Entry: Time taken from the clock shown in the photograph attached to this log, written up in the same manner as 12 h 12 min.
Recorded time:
8 h 59 min
